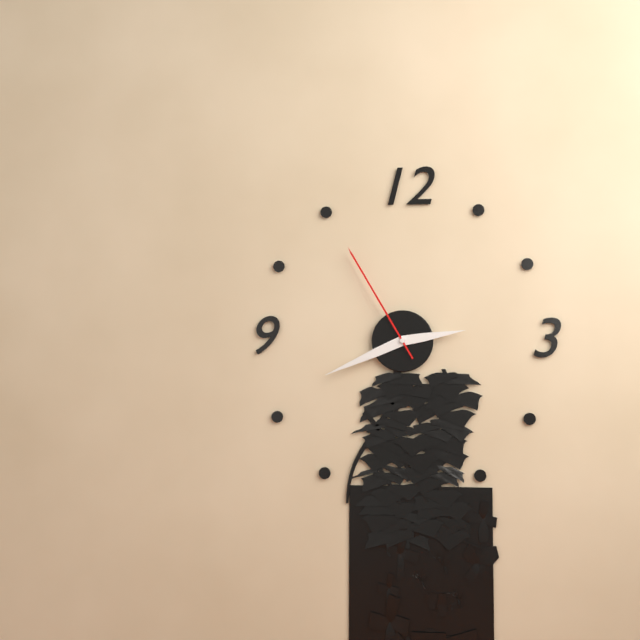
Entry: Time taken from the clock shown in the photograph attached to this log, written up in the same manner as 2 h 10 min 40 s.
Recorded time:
2 h 41 min 55 s
